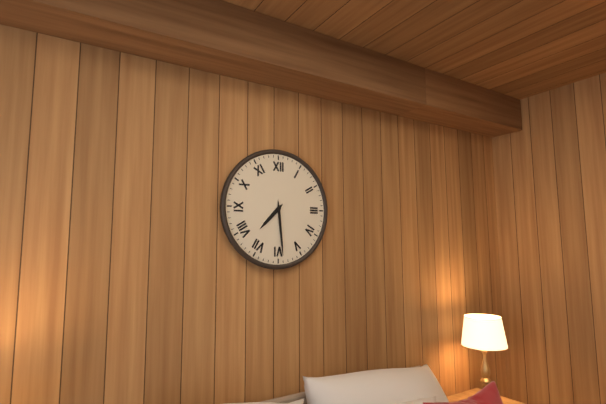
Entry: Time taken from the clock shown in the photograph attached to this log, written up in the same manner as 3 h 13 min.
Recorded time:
7 h 29 min
